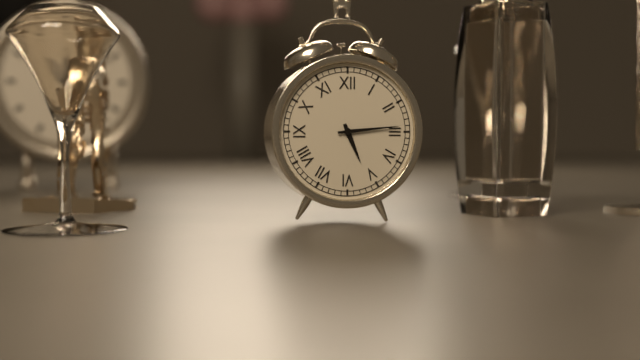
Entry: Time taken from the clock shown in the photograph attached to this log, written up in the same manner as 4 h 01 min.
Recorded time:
5 h 14 min
